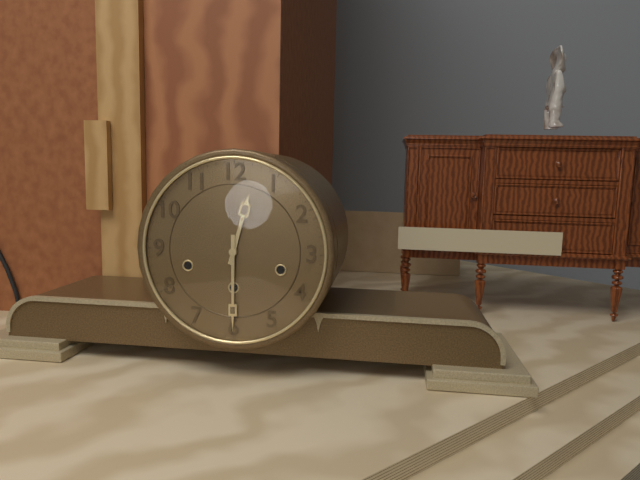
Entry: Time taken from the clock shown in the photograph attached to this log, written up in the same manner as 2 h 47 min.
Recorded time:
12 h 30 min
